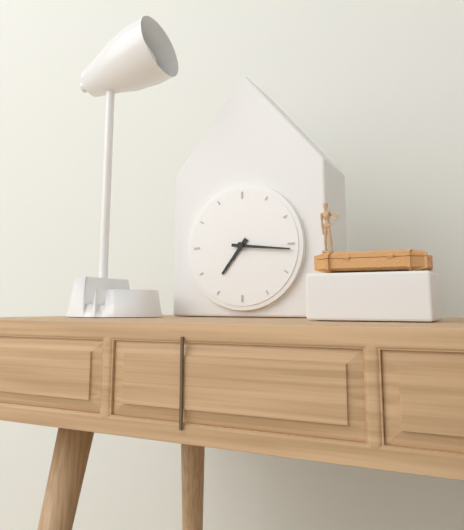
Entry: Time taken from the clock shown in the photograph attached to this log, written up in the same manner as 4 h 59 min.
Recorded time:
7 h 16 min
